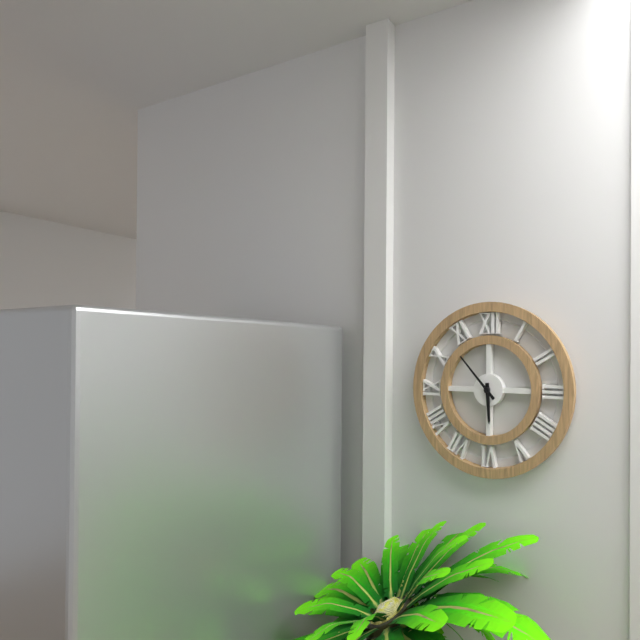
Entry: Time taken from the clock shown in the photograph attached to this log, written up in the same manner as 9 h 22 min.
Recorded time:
5 h 53 min
